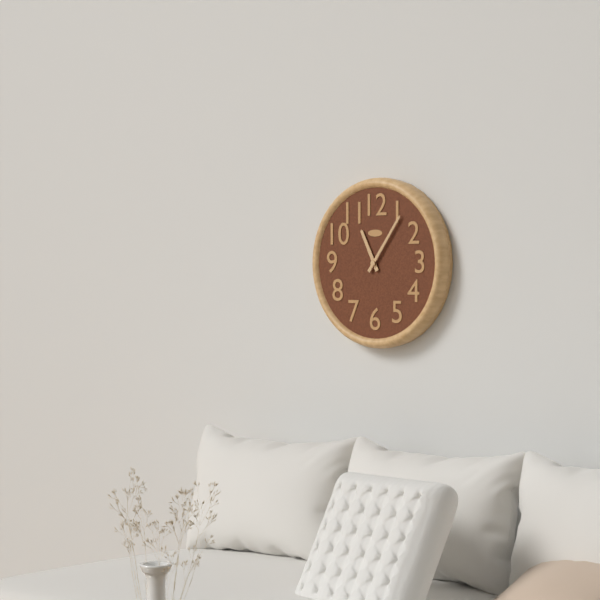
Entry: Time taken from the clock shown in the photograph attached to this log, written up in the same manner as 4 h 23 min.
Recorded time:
11 h 06 min
